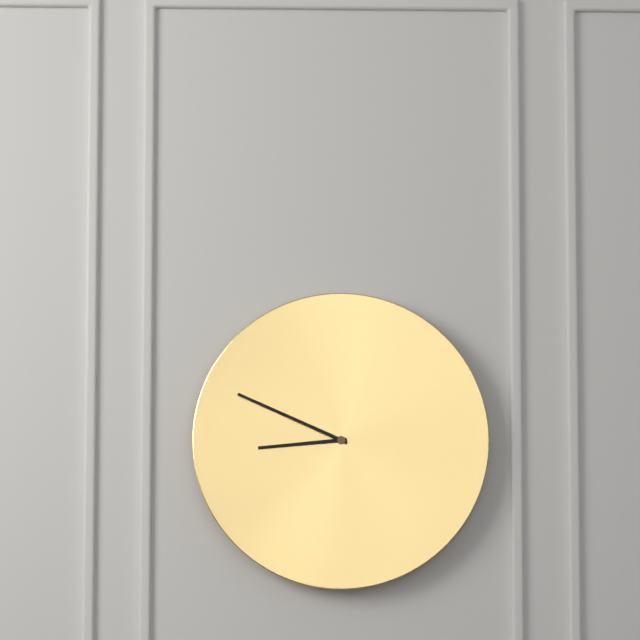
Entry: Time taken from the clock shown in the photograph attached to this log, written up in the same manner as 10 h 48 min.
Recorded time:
8 h 49 min
